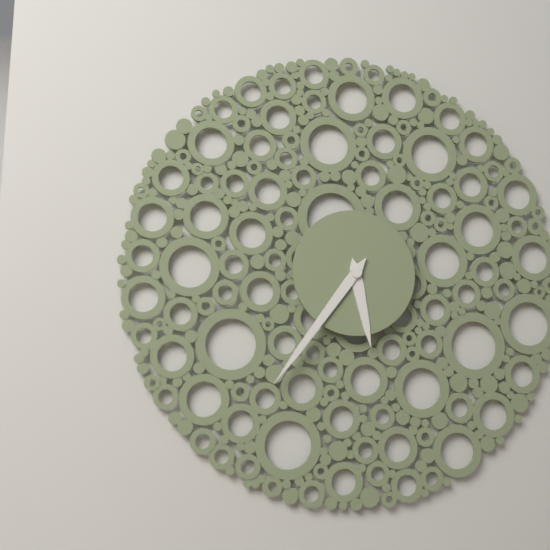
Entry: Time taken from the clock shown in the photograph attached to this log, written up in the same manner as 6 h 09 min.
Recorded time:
5 h 36 min
